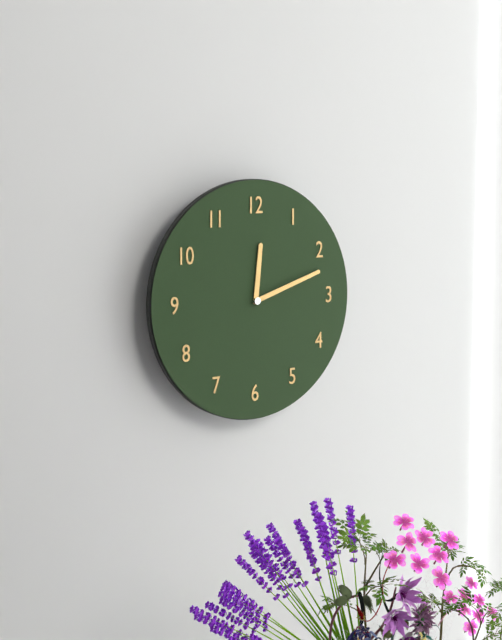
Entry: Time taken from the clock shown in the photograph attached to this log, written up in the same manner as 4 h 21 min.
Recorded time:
12 h 12 min
